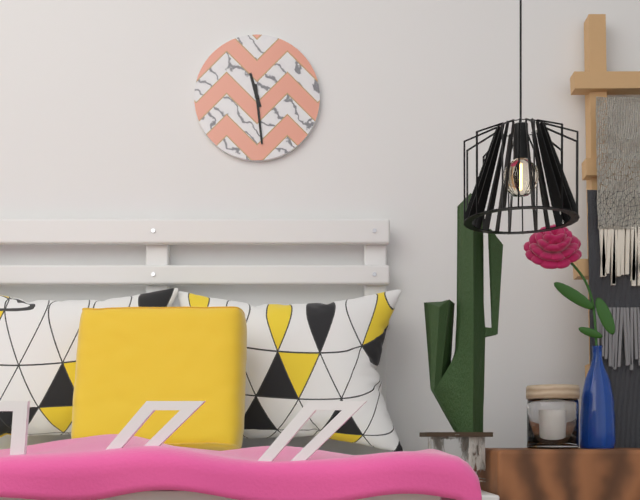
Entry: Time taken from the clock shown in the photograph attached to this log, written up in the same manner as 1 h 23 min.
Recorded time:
11 h 29 min
